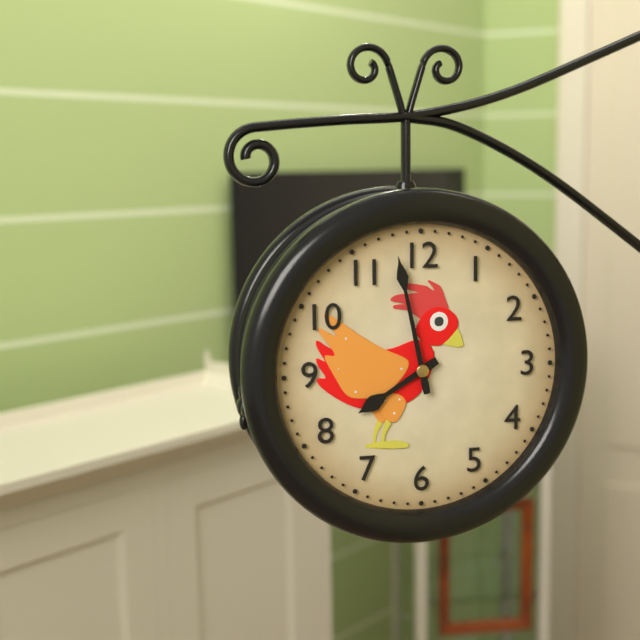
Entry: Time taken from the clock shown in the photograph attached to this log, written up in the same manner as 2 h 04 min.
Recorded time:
7 h 58 min
